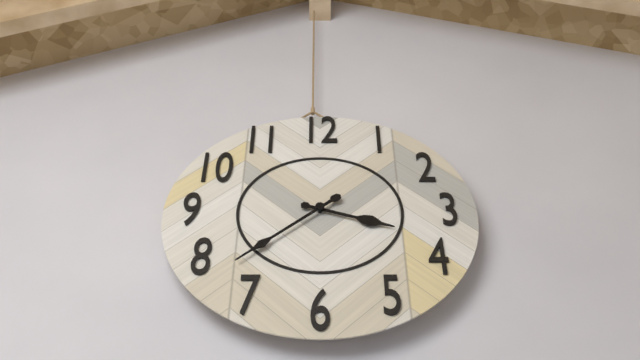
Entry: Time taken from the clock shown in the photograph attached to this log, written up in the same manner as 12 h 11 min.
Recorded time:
3 h 38 min
